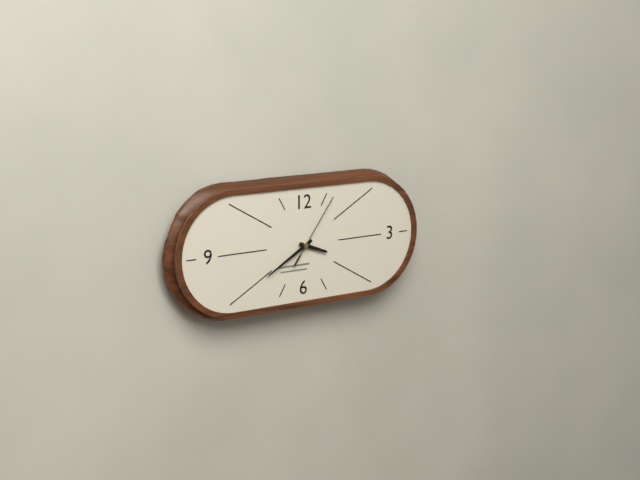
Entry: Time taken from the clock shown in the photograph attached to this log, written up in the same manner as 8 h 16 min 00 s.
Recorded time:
3 h 40 min 06 s
